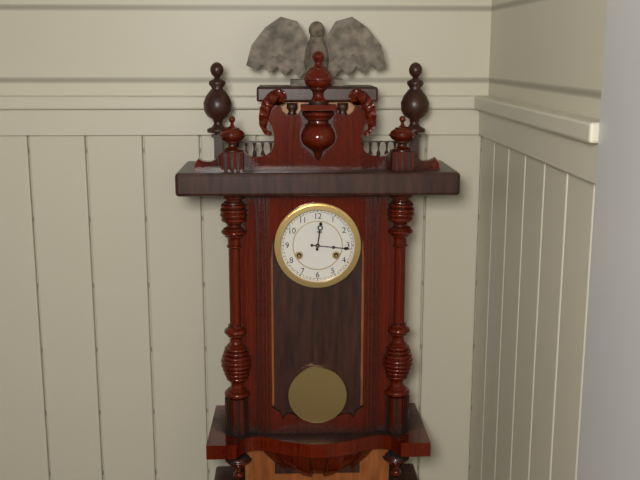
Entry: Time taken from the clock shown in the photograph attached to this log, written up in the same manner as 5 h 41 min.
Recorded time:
12 h 16 min
